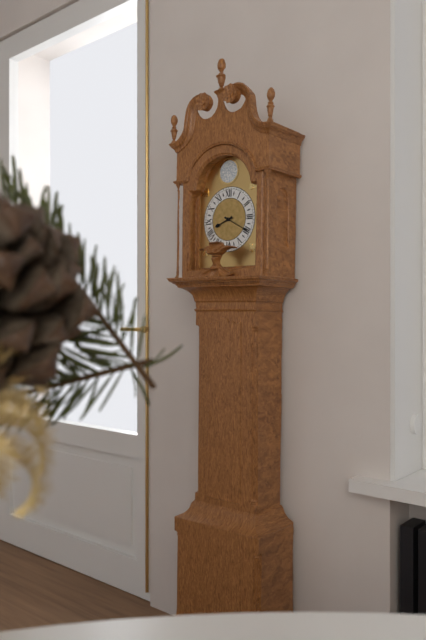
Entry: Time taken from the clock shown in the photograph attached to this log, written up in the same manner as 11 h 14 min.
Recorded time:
8 h 20 min
